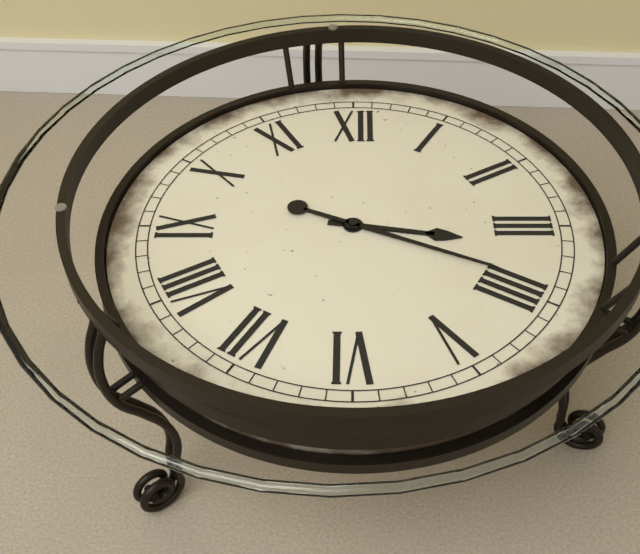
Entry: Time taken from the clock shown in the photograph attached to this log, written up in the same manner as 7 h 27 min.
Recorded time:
3 h 19 min
